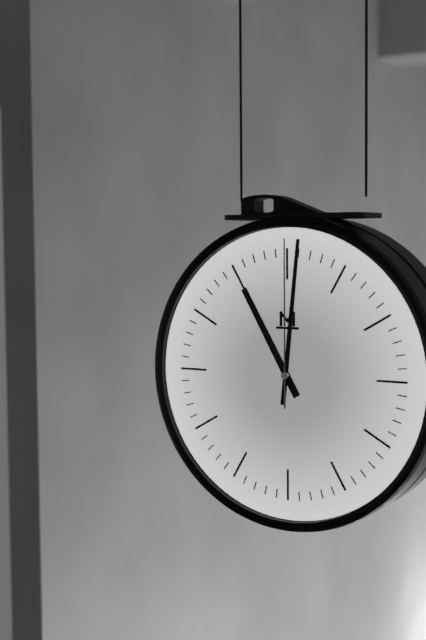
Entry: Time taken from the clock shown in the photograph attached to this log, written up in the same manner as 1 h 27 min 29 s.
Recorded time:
11 h 01 min 00 s
